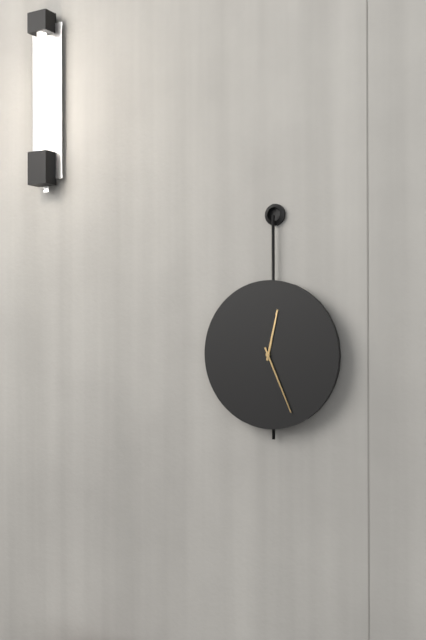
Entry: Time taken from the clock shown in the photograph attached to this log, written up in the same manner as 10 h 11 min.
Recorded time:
12 h 26 min
